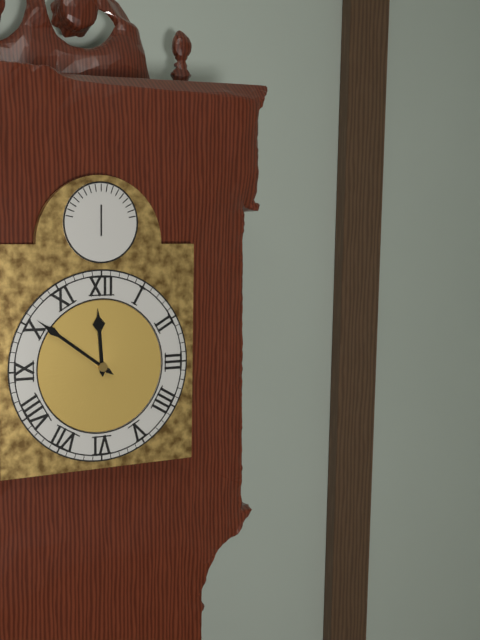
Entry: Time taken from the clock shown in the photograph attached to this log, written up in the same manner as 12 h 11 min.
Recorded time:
11 h 51 min
